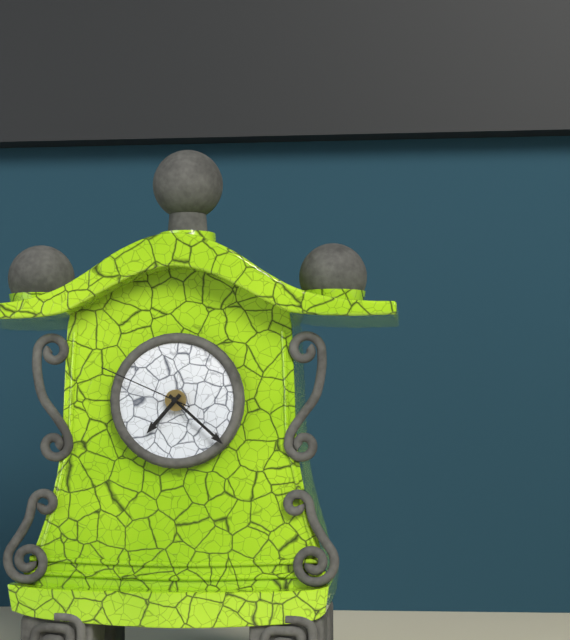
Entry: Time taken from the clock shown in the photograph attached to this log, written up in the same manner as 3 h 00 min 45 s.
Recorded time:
7 h 22 min 49 s
